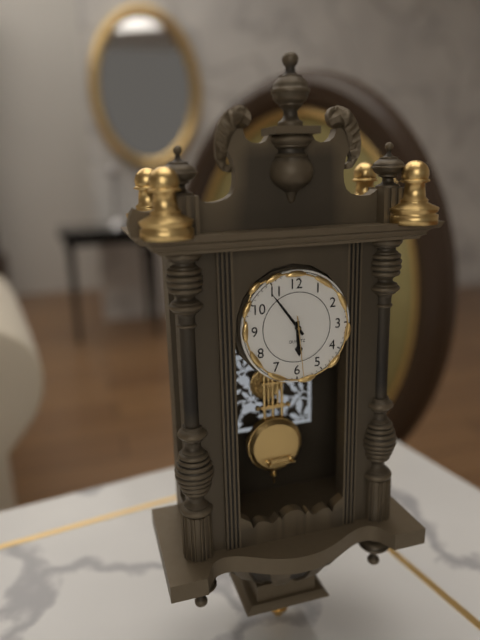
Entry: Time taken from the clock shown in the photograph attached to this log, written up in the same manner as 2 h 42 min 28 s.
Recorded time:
5 h 54 min 29 s
